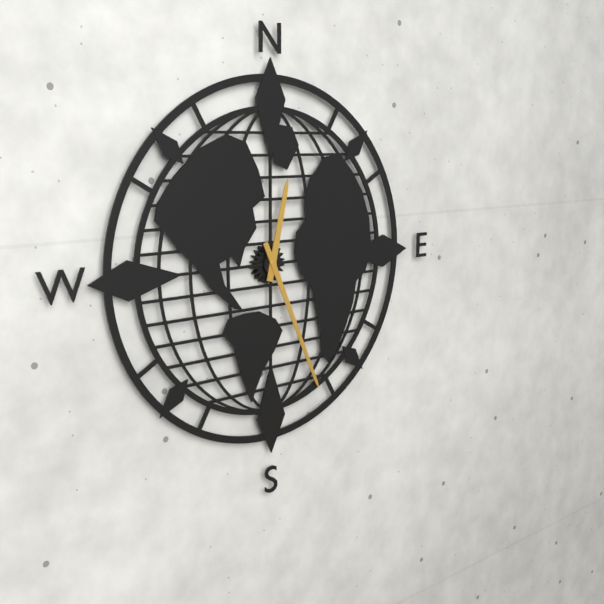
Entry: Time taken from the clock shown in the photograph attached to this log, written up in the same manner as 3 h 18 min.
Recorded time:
12 h 26 min
